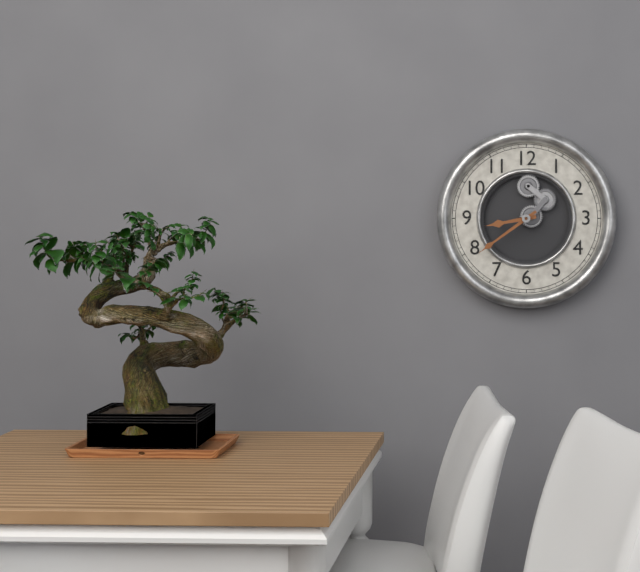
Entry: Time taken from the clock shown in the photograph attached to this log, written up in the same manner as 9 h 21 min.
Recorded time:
8 h 39 min
